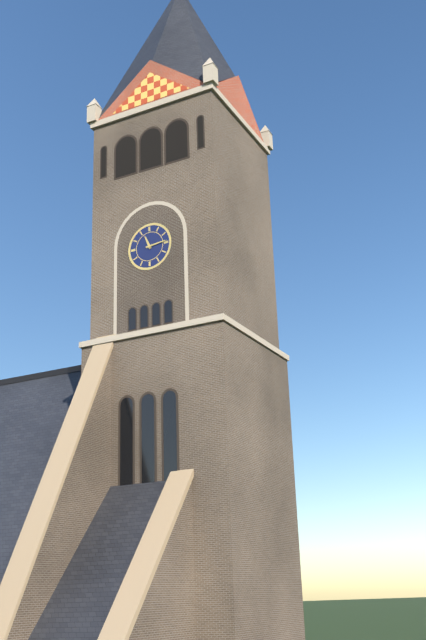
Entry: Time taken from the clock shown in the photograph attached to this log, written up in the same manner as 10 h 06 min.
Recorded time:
11 h 14 min
